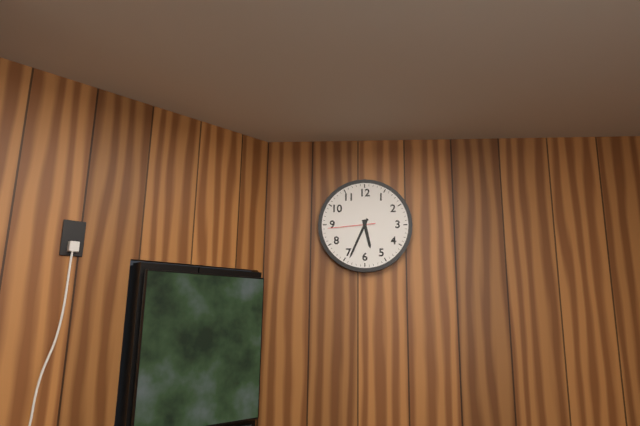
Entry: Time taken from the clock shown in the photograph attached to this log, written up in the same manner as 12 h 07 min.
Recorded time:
5 h 34 min
